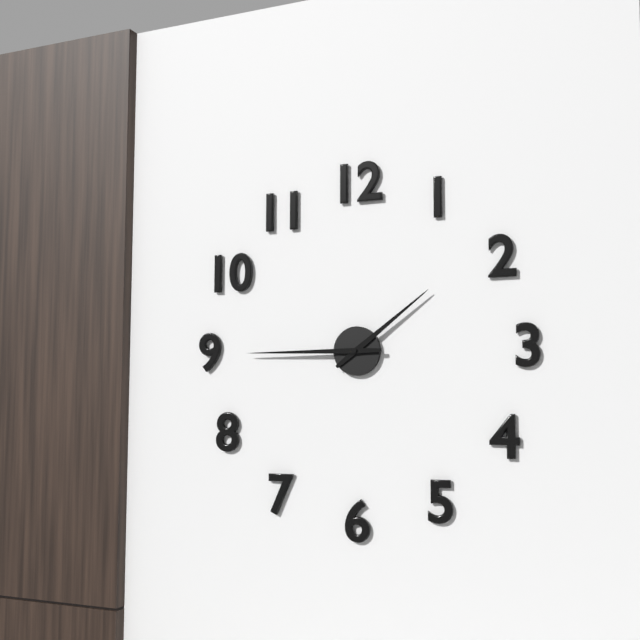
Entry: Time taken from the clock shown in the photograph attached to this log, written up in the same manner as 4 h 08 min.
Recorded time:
1 h 45 min
